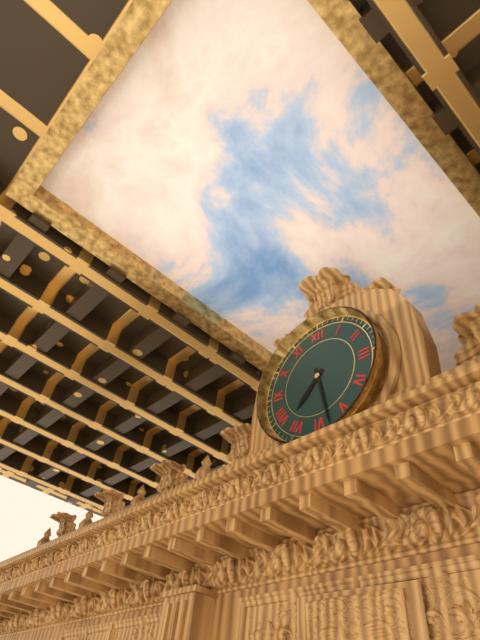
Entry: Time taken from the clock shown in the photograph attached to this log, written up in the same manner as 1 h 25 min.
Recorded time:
7 h 28 min
